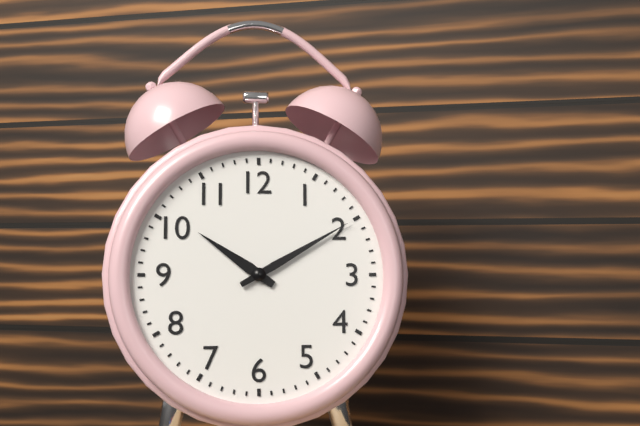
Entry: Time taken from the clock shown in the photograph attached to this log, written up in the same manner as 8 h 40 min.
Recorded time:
10 h 10 min
